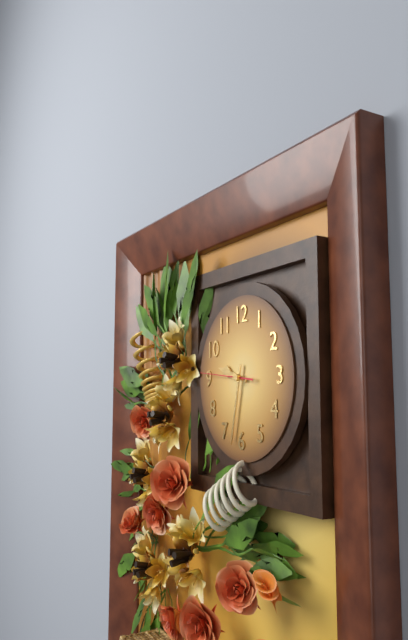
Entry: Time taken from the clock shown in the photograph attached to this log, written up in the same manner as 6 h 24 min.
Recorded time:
9 h 32 min
